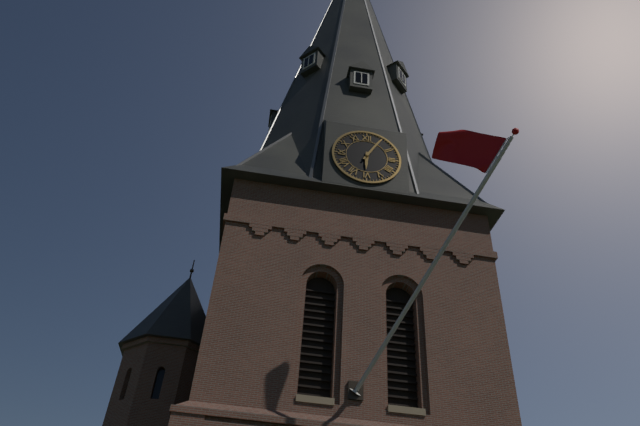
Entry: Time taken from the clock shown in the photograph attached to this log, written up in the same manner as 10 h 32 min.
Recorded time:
6 h 05 min
